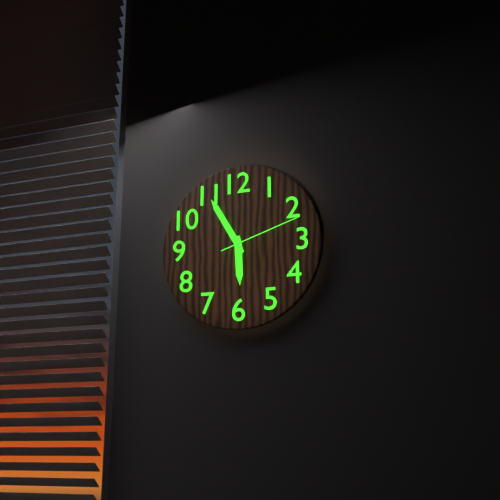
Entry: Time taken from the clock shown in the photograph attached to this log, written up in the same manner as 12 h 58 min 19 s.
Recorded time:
5 h 55 min 12 s
